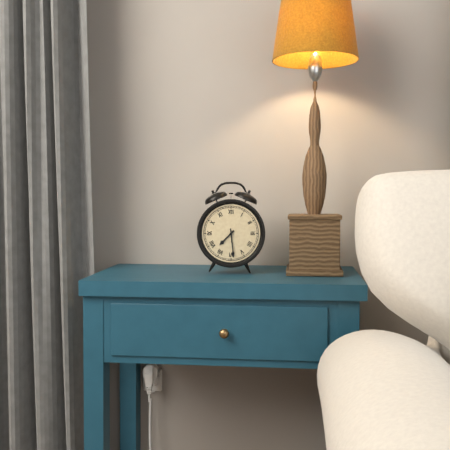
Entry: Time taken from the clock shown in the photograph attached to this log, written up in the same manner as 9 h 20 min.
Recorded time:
7 h 29 min
